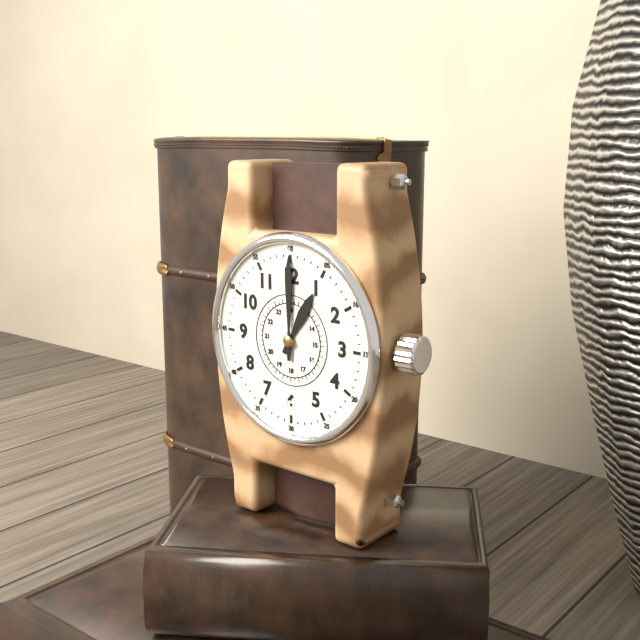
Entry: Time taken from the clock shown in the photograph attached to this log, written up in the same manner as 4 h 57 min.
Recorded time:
1 h 00 min
